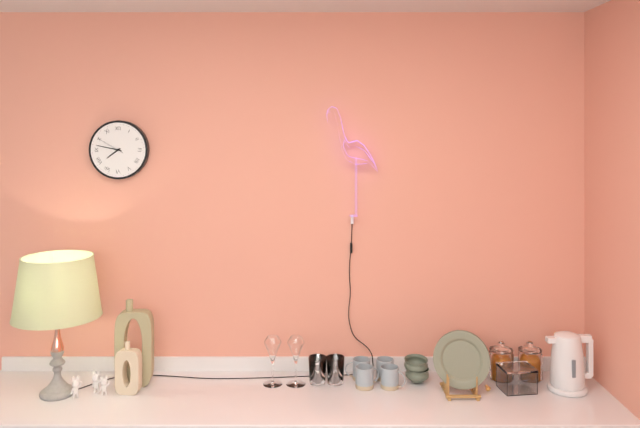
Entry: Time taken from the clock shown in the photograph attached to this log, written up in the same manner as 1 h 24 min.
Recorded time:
7 h 47 min
